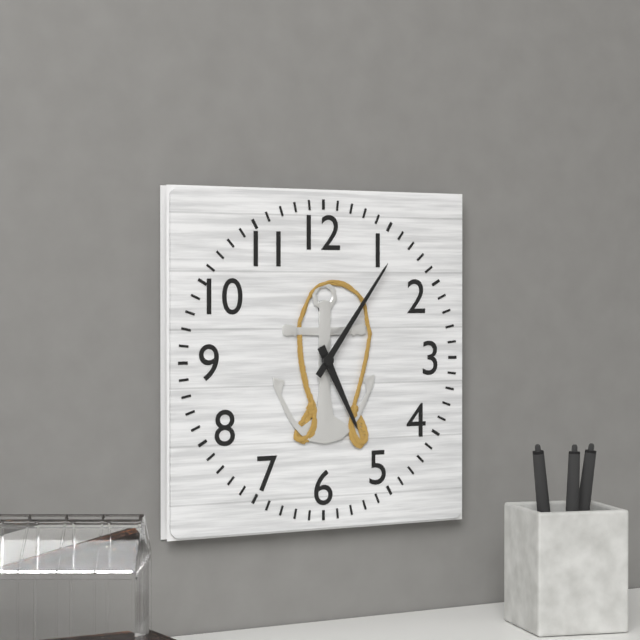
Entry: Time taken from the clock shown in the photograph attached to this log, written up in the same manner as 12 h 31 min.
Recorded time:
5 h 06 min
